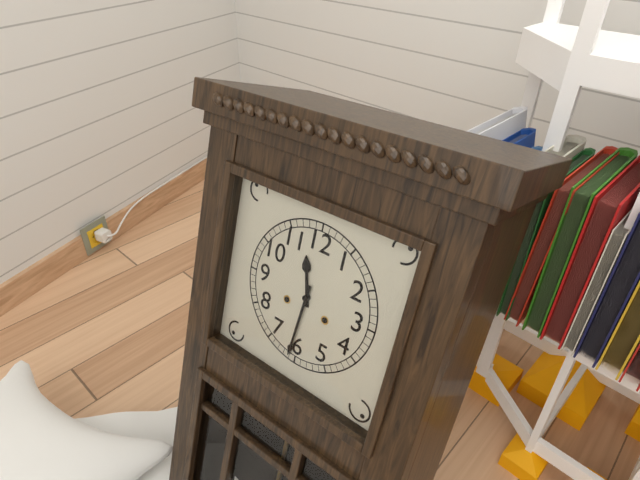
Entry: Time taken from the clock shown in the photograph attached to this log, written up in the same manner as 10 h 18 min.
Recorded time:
11 h 31 min
